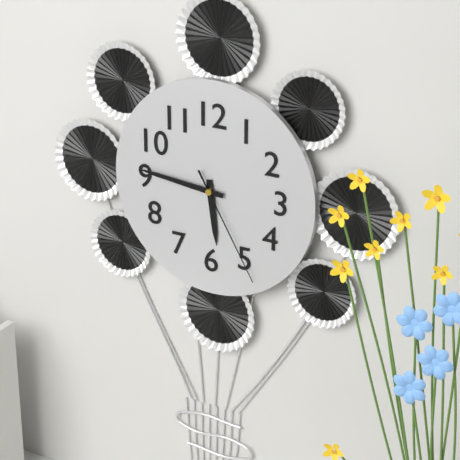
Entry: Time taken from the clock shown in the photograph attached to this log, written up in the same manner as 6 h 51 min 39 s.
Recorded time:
5 h 46 min 25 s
